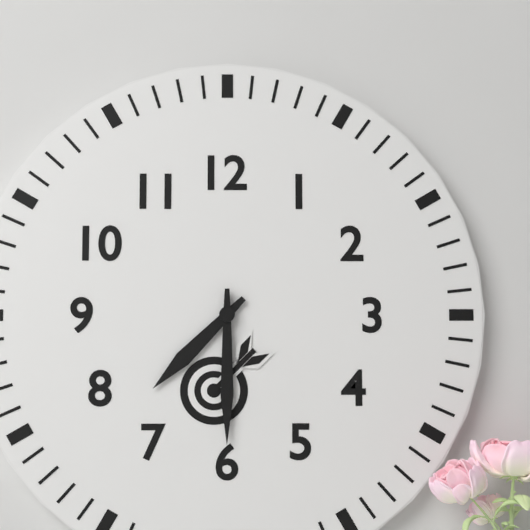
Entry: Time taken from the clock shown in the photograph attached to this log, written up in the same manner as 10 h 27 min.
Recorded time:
7 h 30 min
